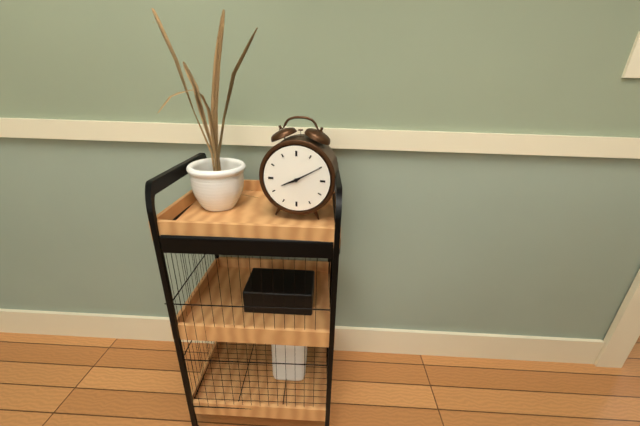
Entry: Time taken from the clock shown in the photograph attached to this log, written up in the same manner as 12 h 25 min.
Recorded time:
8 h 10 min
